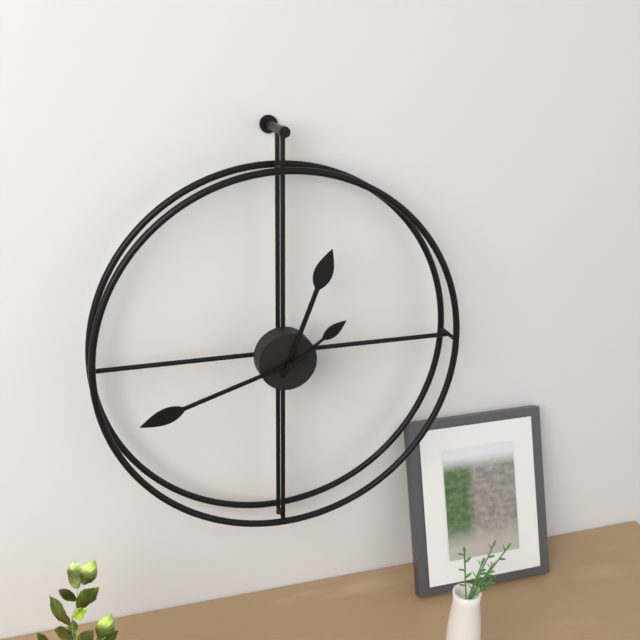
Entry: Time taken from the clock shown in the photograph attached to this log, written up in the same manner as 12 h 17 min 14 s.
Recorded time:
12 h 42 min 09 s
